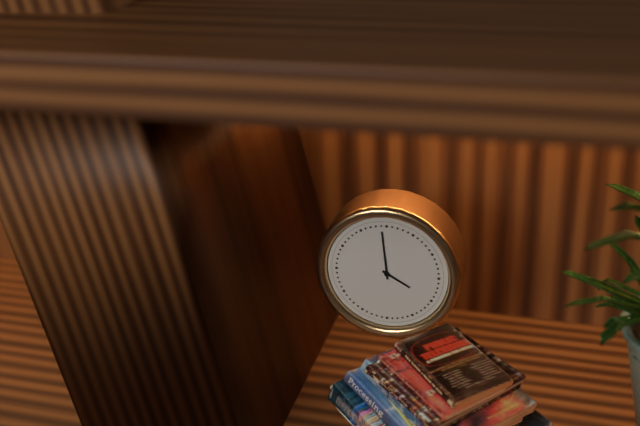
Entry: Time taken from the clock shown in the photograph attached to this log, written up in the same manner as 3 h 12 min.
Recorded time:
3 h 59 min
